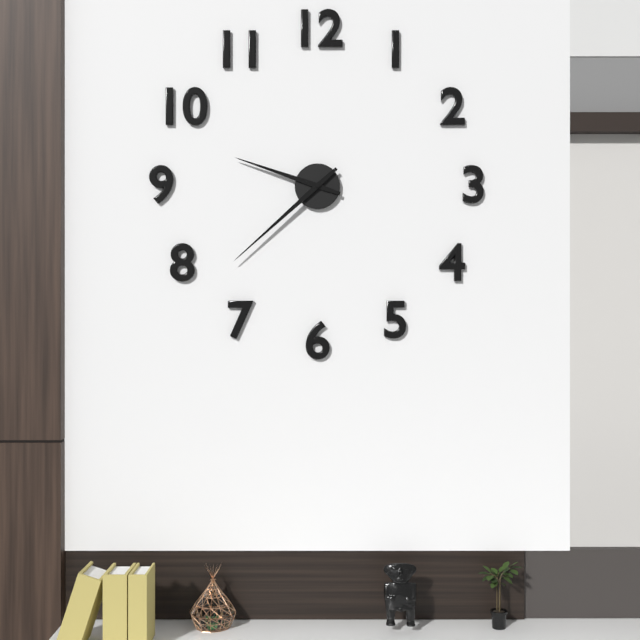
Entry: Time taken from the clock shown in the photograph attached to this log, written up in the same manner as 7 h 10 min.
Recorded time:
9 h 38 min
